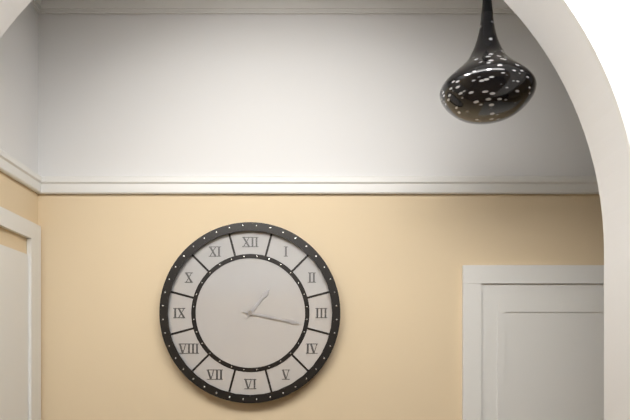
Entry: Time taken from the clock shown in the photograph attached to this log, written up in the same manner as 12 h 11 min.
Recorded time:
1 h 17 min
